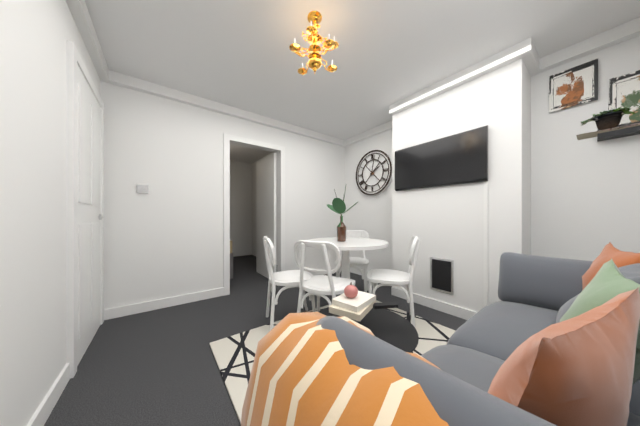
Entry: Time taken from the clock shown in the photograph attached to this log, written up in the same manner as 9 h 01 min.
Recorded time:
2 h 02 min
